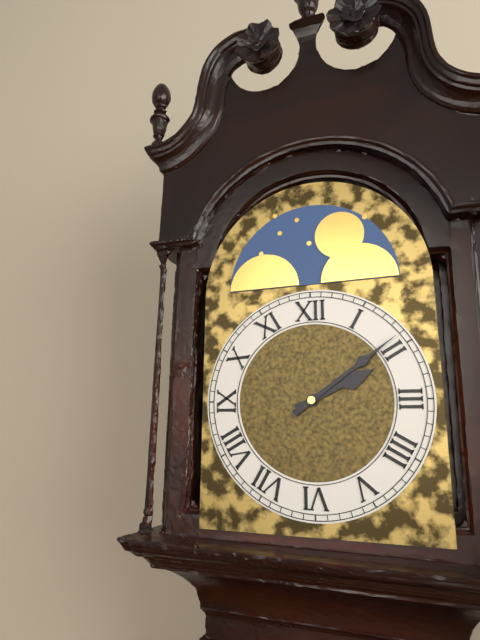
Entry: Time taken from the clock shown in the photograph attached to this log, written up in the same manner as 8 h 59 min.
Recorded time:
2 h 09 min
